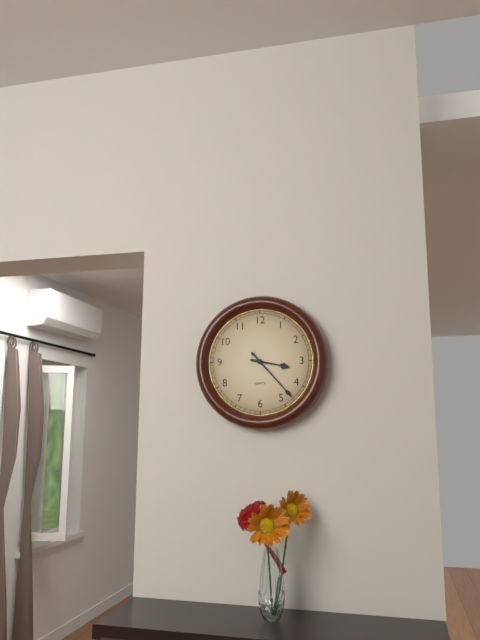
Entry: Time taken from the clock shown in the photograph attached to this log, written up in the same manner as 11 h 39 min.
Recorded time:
3 h 23 min
